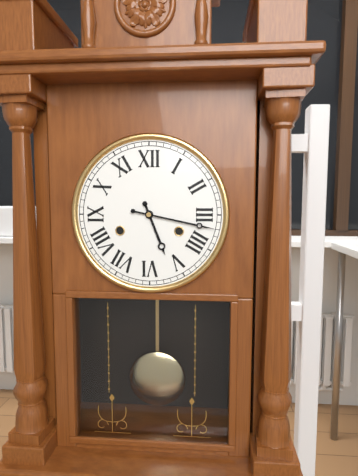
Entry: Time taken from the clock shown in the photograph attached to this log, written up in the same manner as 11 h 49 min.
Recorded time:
5 h 17 min
